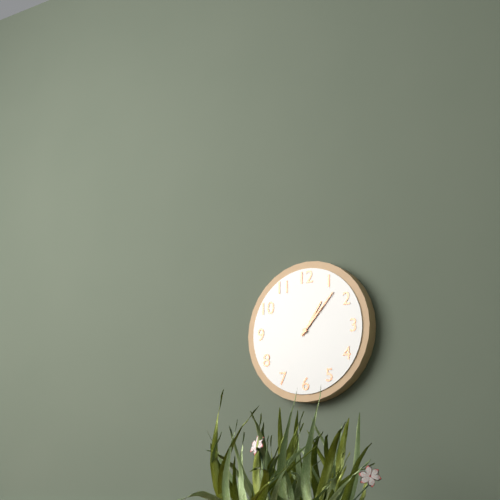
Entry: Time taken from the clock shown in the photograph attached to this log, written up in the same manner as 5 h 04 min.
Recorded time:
1 h 07 min
